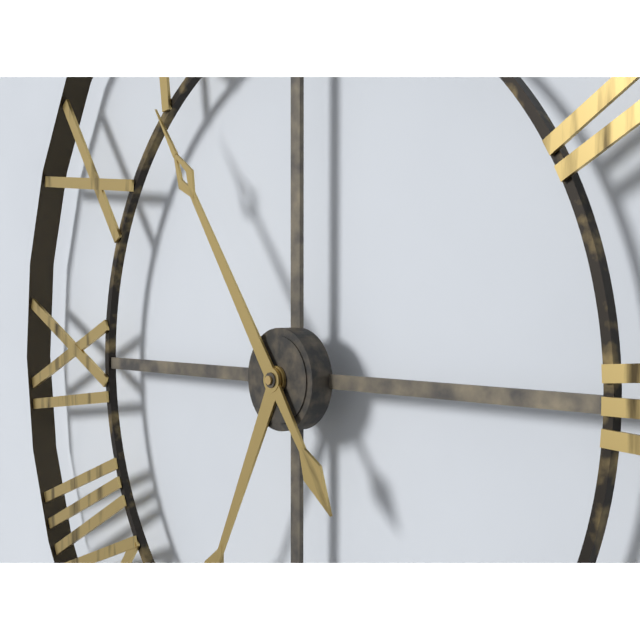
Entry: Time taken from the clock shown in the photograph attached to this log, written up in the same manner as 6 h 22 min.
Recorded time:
6 h 54 min
